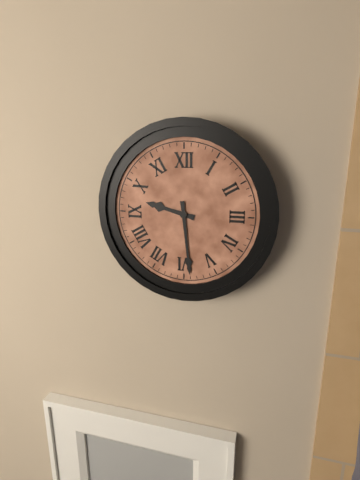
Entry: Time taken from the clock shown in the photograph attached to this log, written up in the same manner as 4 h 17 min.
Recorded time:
9 h 29 min
